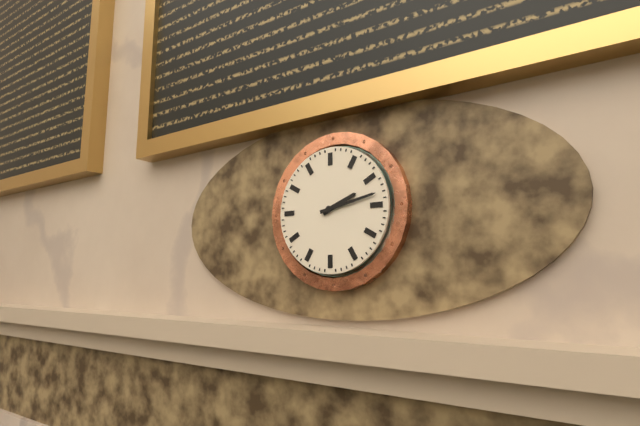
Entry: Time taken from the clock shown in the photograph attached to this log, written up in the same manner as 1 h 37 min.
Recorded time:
2 h 13 min
